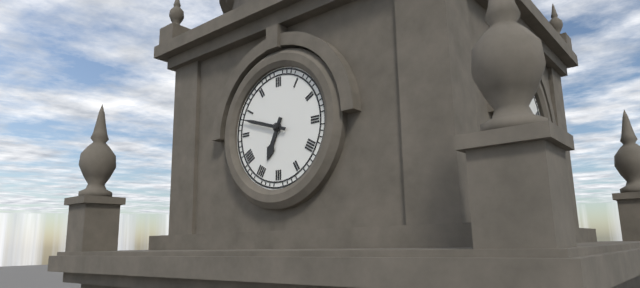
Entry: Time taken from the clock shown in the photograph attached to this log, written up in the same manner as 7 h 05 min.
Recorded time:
6 h 48 min
